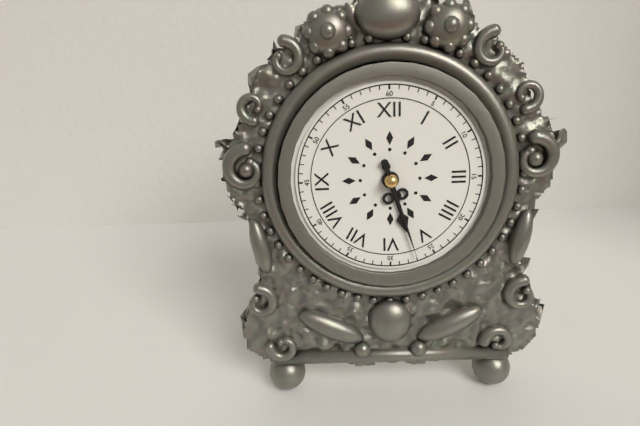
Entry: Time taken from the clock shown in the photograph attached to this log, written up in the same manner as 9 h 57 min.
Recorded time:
5 h 27 min
